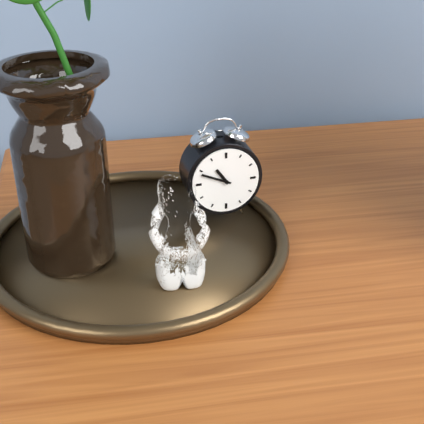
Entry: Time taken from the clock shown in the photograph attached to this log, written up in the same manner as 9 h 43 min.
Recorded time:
10 h 49 min
